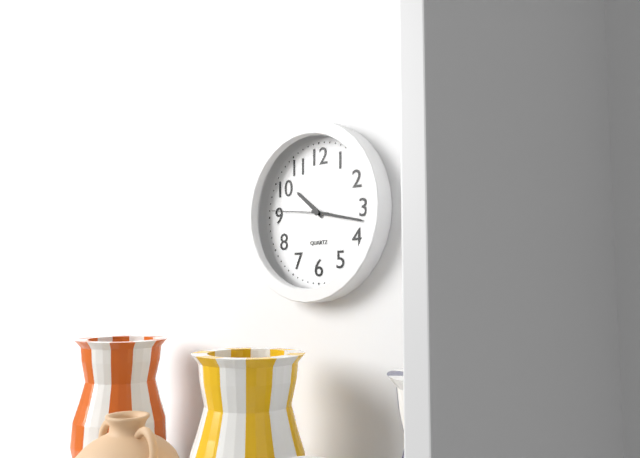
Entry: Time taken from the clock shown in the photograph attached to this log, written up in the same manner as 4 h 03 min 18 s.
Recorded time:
10 h 17 min 46 s
